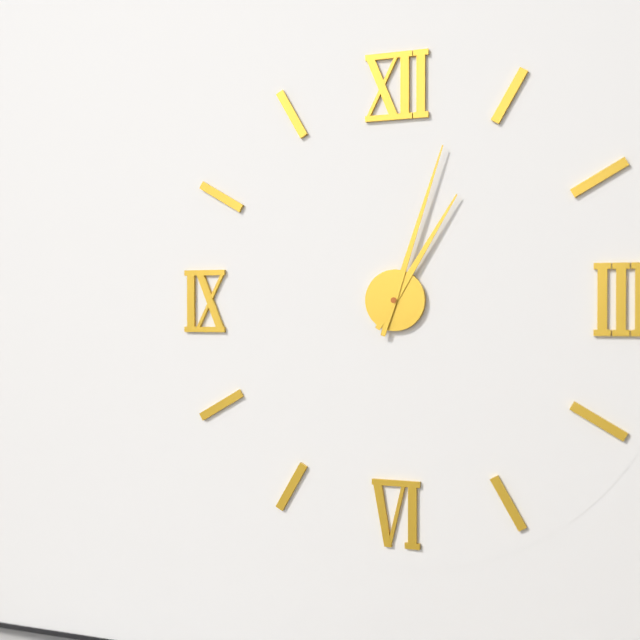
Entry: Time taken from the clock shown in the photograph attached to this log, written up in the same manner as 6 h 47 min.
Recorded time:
1 h 03 min
